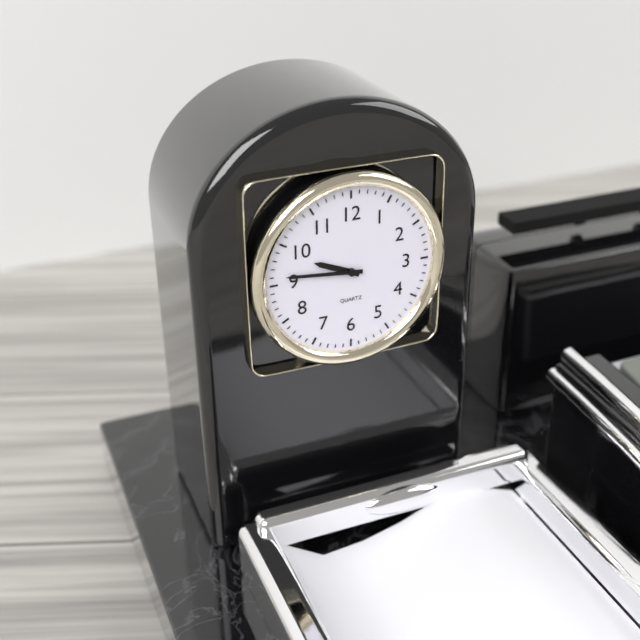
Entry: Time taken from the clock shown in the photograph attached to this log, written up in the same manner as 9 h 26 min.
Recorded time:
9 h 46 min
